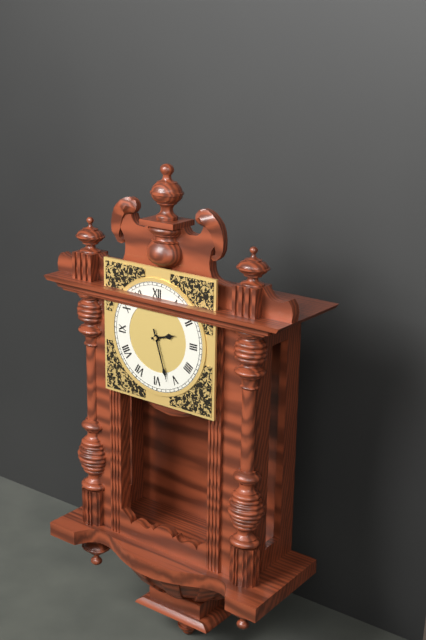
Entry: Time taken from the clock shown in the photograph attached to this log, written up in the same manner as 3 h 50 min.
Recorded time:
2 h 27 min
